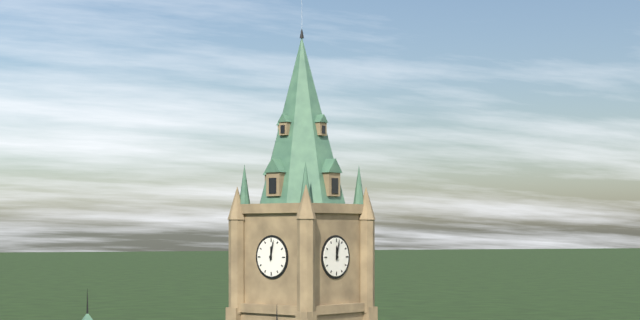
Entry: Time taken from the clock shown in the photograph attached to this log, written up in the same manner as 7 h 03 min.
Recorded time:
12 h 02 min
